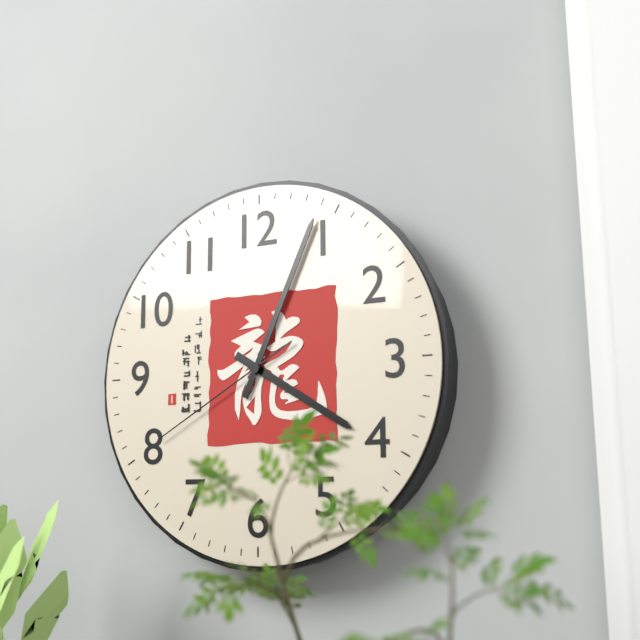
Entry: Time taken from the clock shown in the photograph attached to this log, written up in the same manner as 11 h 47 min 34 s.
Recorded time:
4 h 04 min 40 s
